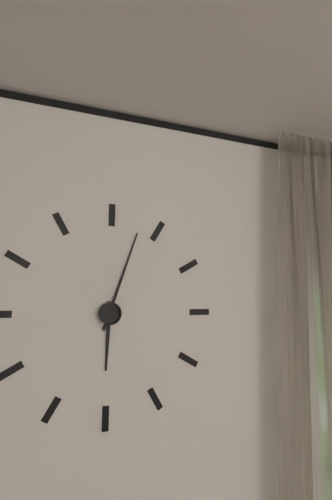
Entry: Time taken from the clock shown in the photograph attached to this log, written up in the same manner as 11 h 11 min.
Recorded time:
6 h 03 min
